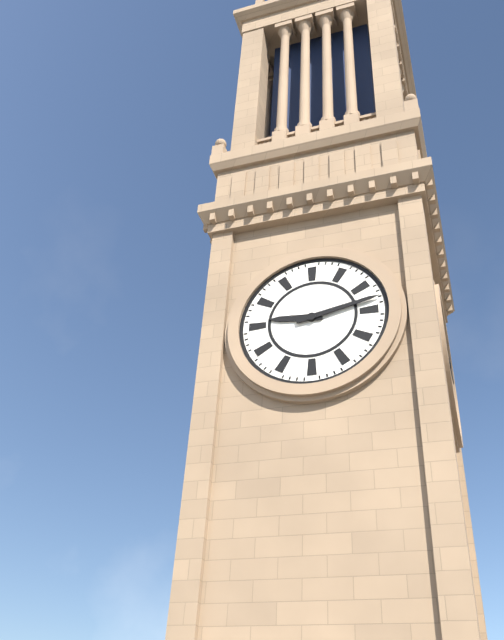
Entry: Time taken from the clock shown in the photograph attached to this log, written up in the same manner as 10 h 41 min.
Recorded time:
9 h 13 min
